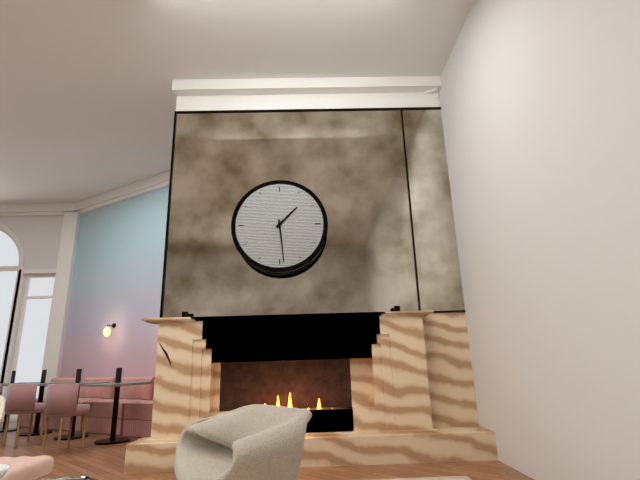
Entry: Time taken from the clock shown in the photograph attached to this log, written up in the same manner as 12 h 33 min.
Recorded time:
1 h 29 min
